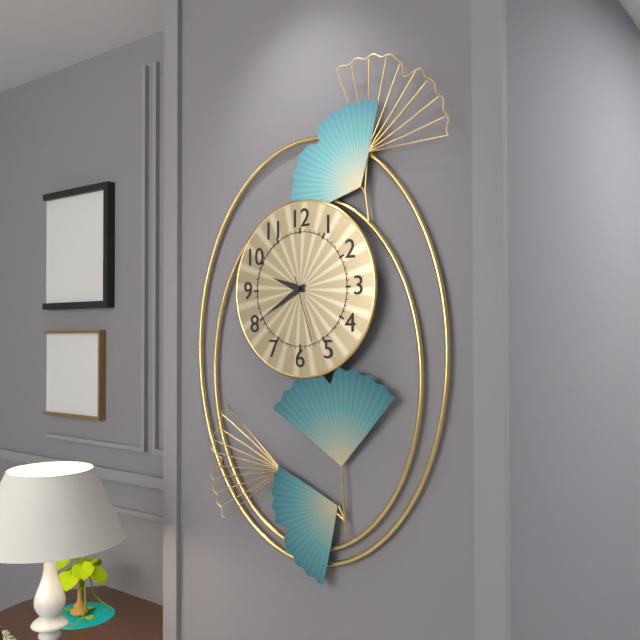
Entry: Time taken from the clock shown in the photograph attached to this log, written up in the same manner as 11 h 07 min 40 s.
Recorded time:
9 h 40 min 27 s
